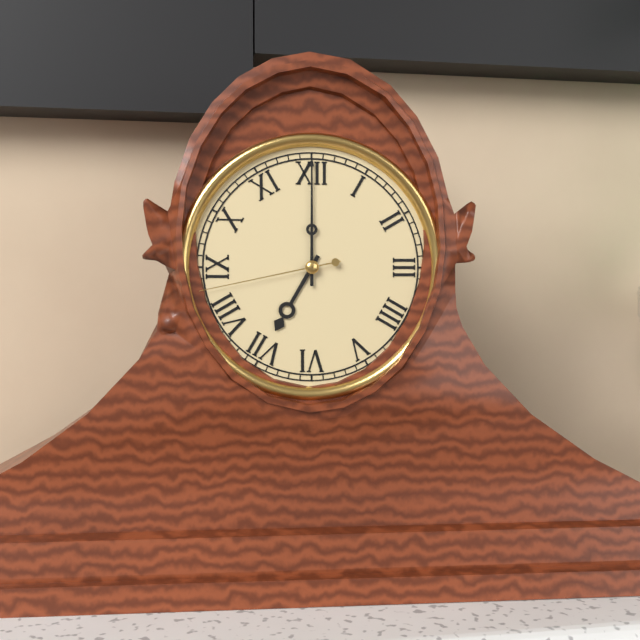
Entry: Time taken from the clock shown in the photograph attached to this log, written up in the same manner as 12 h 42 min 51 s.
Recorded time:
7 h 00 min 43 s
